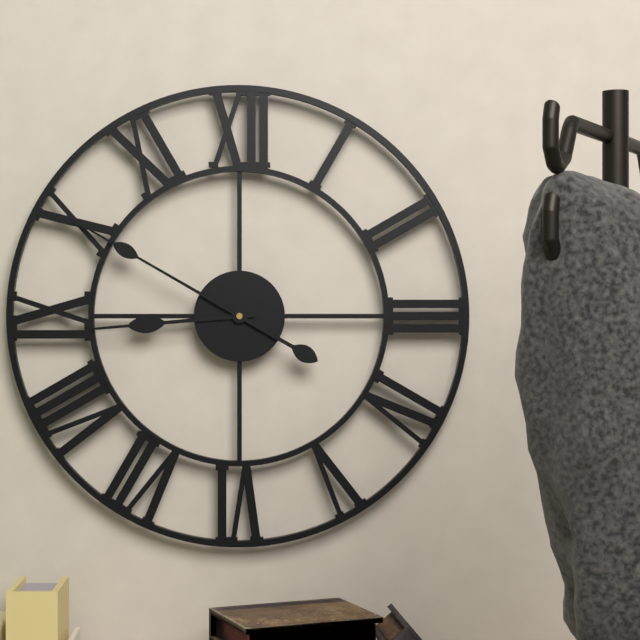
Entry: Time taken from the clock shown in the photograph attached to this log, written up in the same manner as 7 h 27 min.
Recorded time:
8 h 50 min
